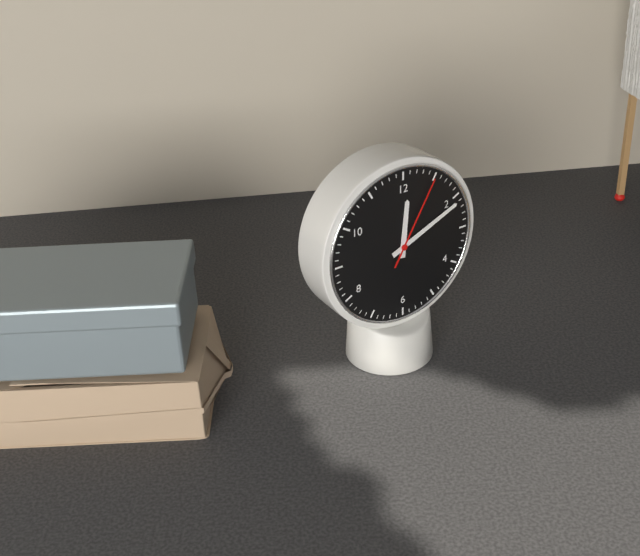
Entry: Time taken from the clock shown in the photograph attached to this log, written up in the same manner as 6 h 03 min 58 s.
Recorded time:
12 h 11 min 05 s
